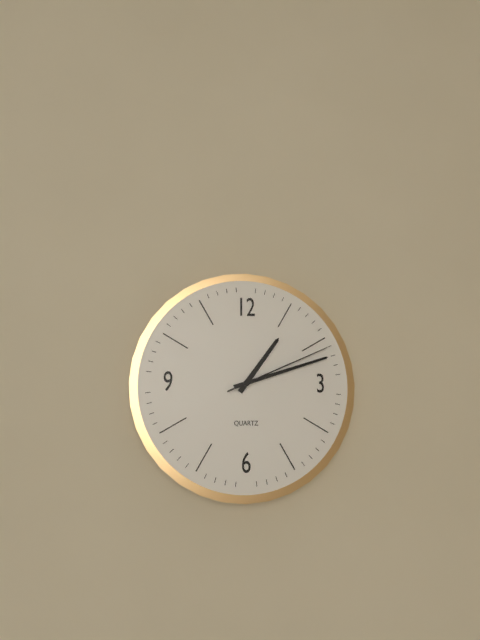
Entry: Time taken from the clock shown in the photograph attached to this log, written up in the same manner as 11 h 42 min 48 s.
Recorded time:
1 h 12 min 11 s
